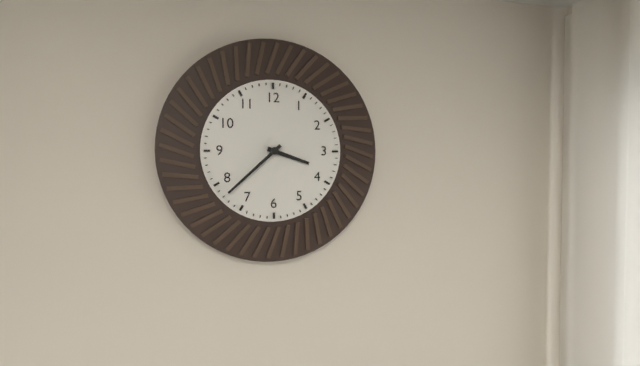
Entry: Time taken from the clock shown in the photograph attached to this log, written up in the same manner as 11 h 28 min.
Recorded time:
3 h 38 min
